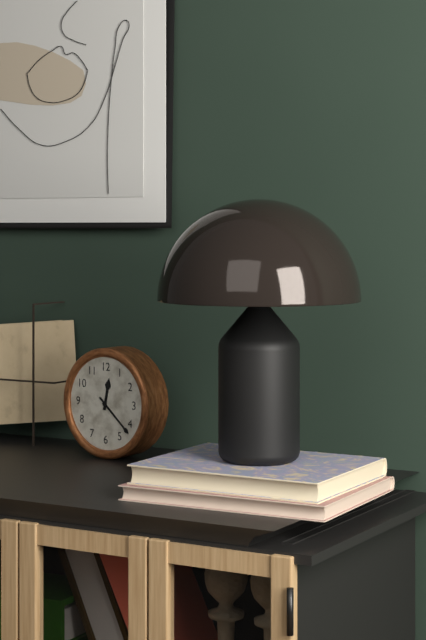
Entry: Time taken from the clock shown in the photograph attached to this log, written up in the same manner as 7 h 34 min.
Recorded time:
12 h 22 min
